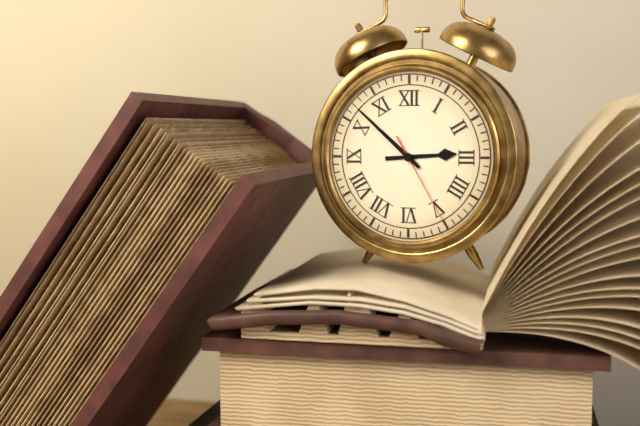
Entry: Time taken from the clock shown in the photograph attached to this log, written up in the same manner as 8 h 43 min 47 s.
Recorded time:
2 h 52 min 25 s
